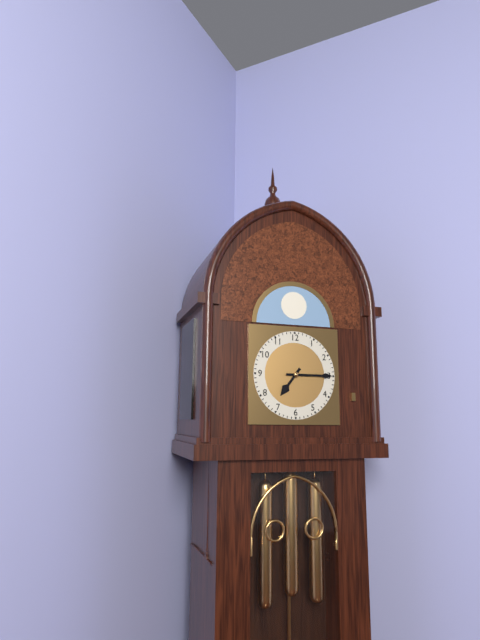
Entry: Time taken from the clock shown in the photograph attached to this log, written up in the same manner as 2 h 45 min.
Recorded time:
7 h 15 min
